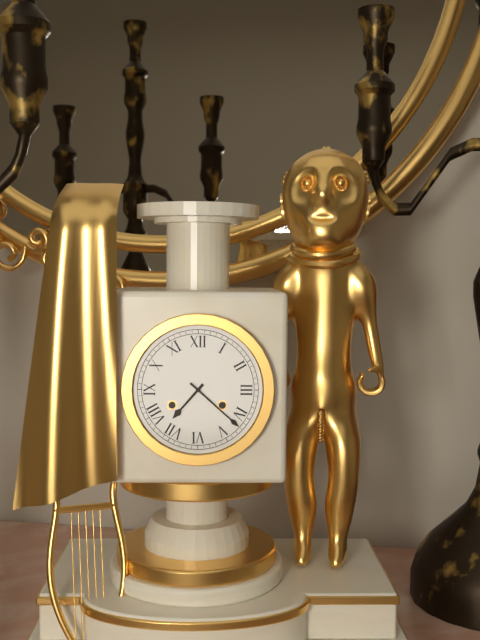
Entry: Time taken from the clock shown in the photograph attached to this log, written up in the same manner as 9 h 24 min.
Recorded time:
7 h 22 min
